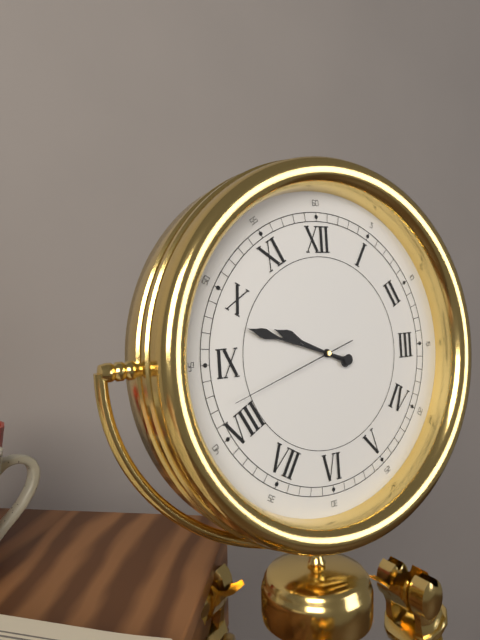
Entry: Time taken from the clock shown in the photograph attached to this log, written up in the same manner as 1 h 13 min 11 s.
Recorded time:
9 h 48 min 42 s
